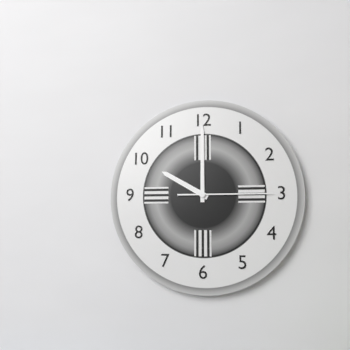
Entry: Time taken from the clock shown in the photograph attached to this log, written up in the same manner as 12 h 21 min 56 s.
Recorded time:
10 h 00 min 15 s
